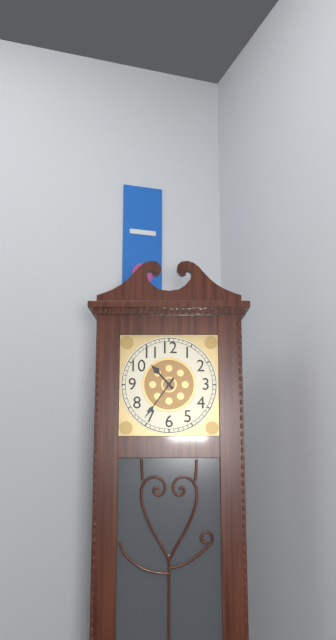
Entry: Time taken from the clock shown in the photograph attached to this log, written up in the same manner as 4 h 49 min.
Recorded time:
10 h 36 min
